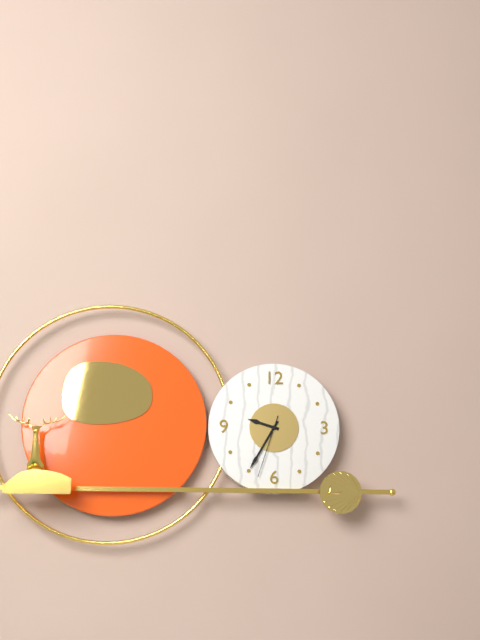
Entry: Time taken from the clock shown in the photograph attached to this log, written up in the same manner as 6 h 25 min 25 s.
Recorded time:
9 h 35 min 33 s
